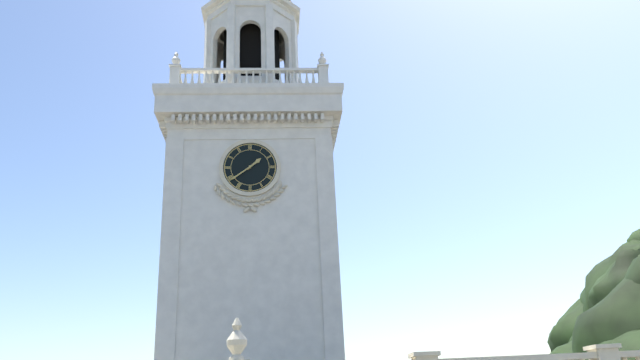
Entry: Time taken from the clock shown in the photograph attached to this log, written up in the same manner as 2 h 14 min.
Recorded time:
1 h 39 min
